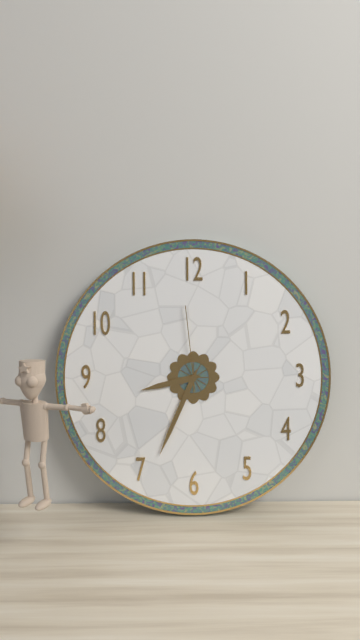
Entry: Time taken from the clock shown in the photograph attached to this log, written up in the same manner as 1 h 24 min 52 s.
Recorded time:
8 h 34 min 59 s
